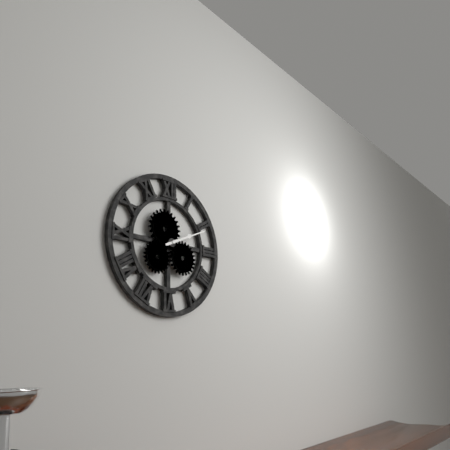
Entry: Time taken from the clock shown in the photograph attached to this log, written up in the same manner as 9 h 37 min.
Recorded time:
2 h 11 min
